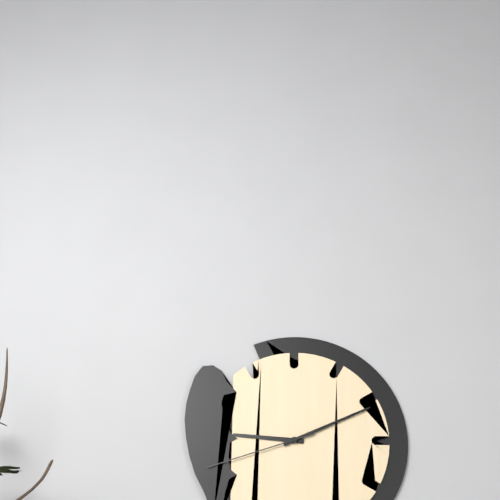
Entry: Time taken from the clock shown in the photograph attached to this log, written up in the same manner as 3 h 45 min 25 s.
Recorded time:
9 h 11 min 42 s
